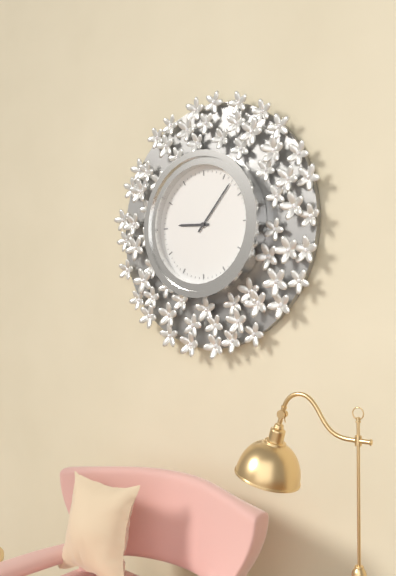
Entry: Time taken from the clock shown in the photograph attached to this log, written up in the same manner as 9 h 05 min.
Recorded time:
9 h 07 min
